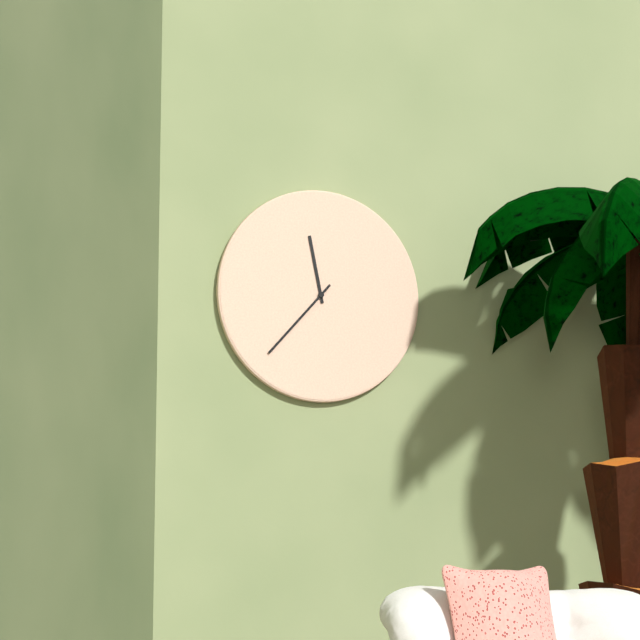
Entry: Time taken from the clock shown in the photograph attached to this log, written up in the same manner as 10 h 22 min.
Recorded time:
11 h 37 min
